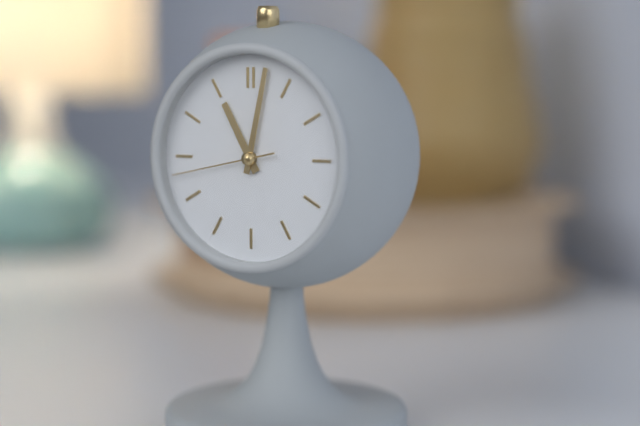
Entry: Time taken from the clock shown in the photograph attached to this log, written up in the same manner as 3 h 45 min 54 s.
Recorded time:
11 h 02 min 43 s
